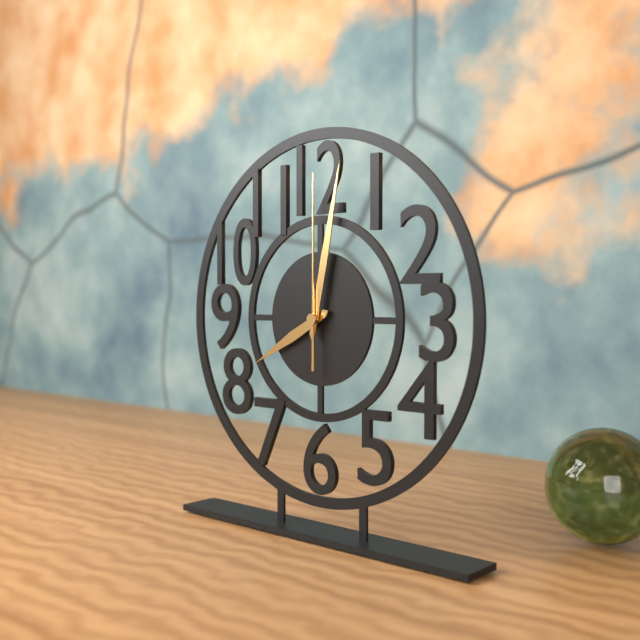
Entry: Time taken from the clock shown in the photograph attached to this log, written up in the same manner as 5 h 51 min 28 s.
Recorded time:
8 h 02 min 00 s
